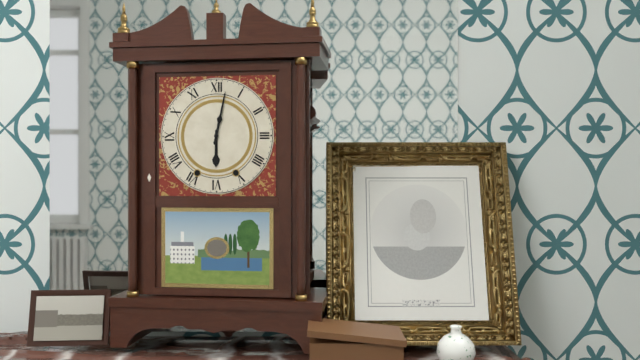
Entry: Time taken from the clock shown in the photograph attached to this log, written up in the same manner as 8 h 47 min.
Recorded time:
6 h 02 min
